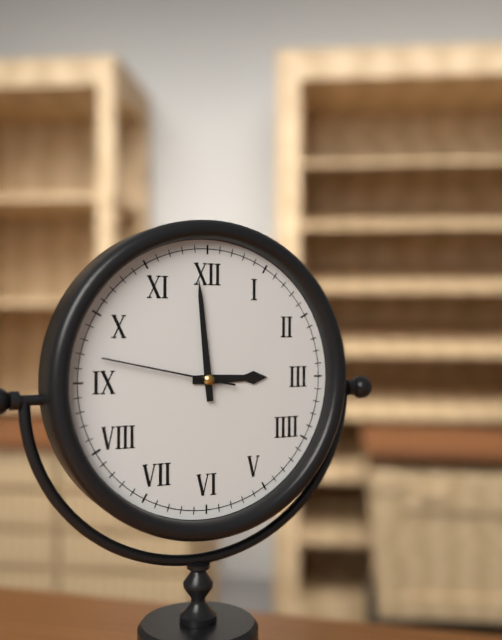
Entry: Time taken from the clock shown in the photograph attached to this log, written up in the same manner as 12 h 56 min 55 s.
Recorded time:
2 h 59 min 47 s
